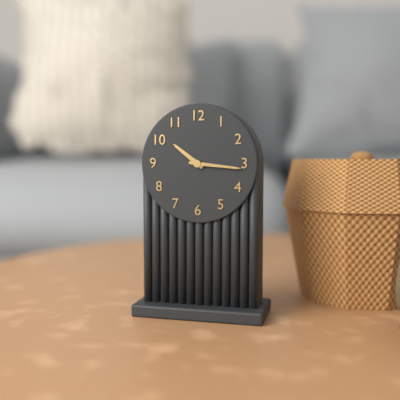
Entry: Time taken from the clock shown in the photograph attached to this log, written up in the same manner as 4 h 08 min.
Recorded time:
10 h 16 min
